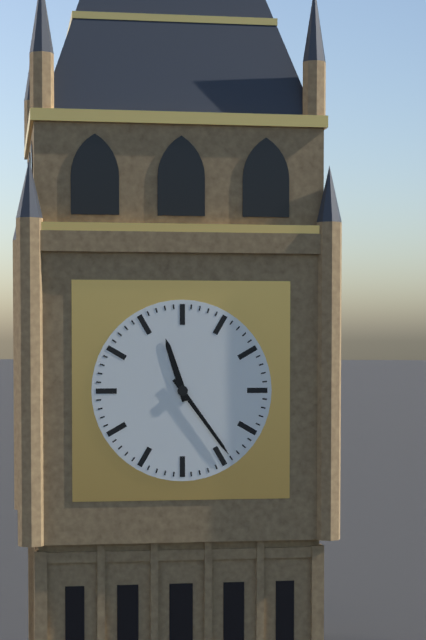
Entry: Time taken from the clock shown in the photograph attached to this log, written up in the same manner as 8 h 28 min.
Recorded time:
11 h 24 min
